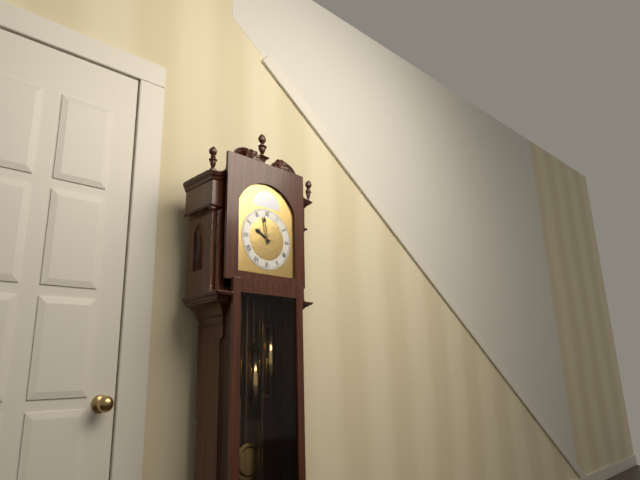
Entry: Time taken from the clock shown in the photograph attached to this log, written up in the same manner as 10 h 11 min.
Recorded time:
9 h 58 min
